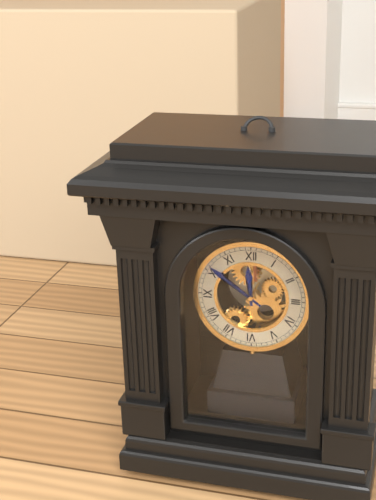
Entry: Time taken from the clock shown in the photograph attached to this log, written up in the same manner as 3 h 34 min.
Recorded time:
11 h 51 min
